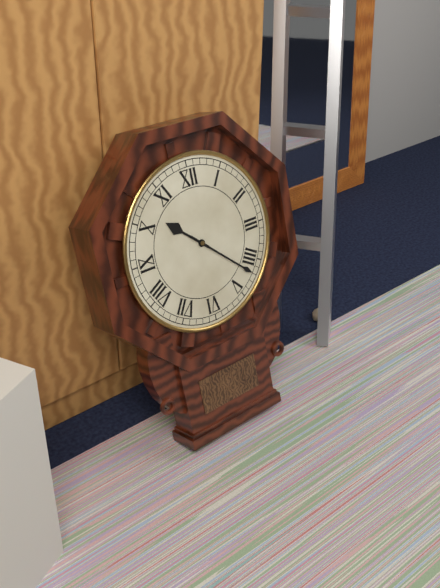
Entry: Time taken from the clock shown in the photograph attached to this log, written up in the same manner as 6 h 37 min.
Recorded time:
10 h 22 min
